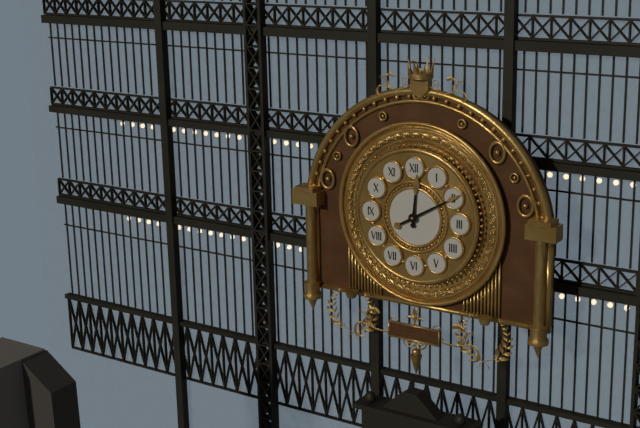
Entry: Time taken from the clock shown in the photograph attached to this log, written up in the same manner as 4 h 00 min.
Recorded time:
12 h 10 min
